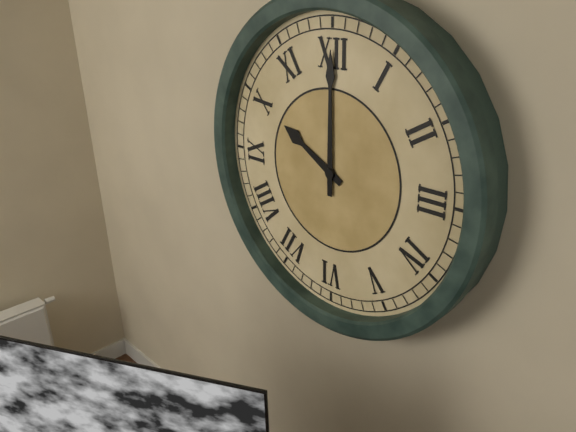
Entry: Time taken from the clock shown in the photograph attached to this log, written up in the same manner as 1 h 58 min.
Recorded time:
10 h 00 min
